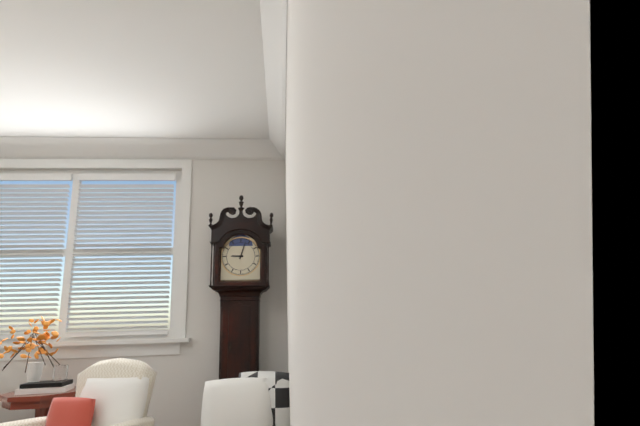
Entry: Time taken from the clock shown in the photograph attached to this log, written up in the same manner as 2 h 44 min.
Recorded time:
9 h 03 min
